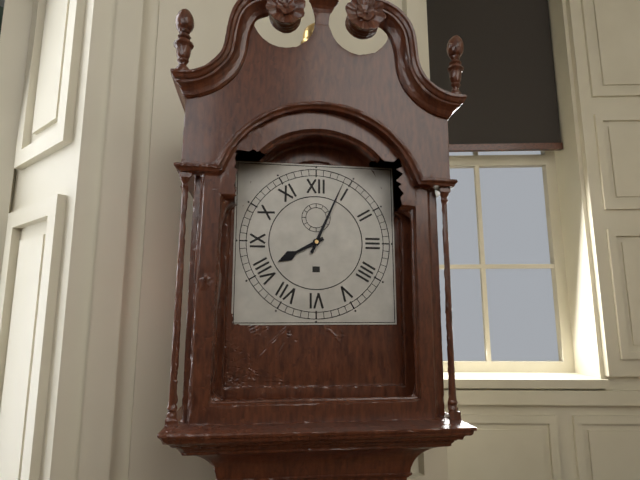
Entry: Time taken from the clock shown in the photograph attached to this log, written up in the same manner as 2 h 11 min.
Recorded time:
8 h 04 min
